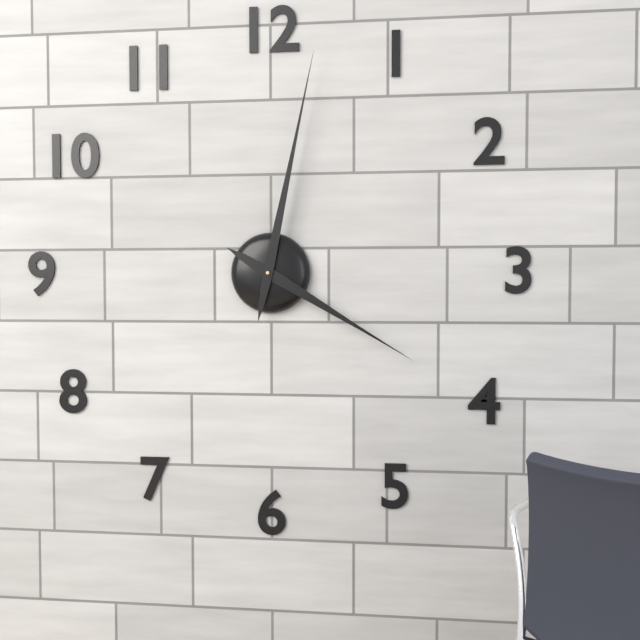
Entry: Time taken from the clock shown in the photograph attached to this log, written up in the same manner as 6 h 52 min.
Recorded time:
4 h 02 min
